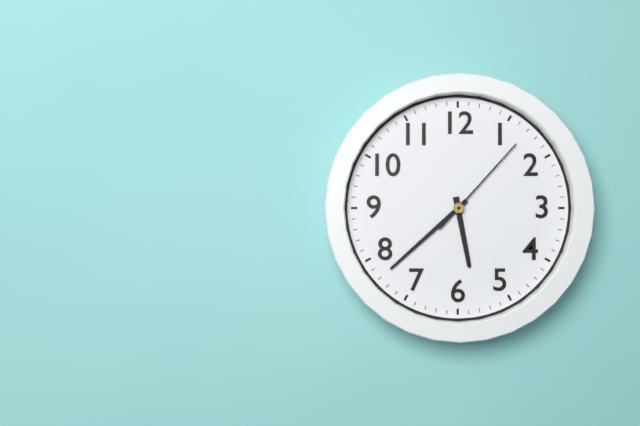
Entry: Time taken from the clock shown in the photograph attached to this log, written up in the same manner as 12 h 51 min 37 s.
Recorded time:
5 h 38 min 07 s
